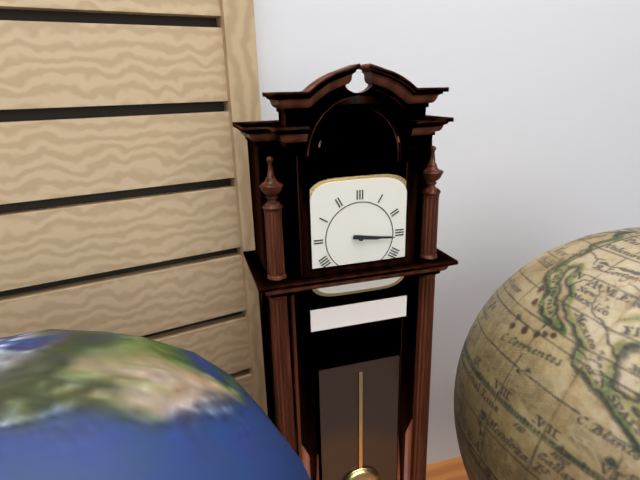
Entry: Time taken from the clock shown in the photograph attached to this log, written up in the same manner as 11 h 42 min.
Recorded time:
3 h 16 min
